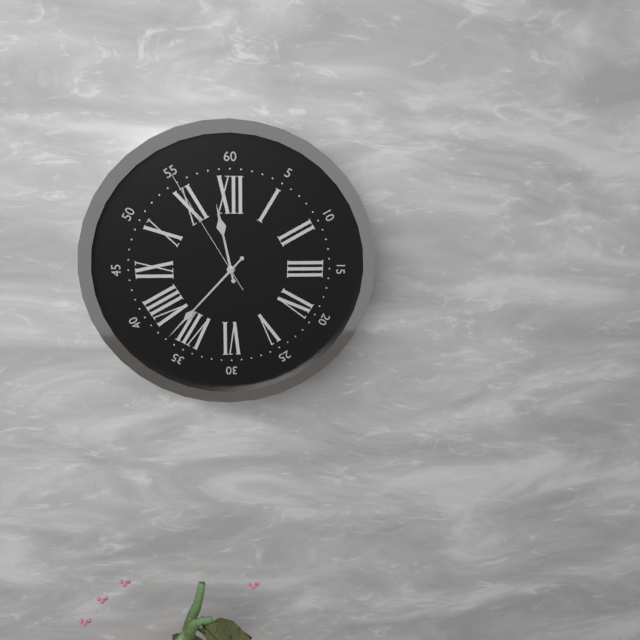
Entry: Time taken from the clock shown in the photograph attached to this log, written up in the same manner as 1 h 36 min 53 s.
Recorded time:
11 h 37 min 55 s
